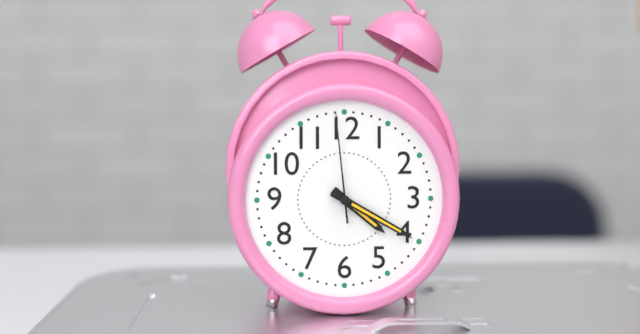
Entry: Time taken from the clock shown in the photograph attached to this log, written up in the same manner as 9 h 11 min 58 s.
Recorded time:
4 h 20 min 59 s
